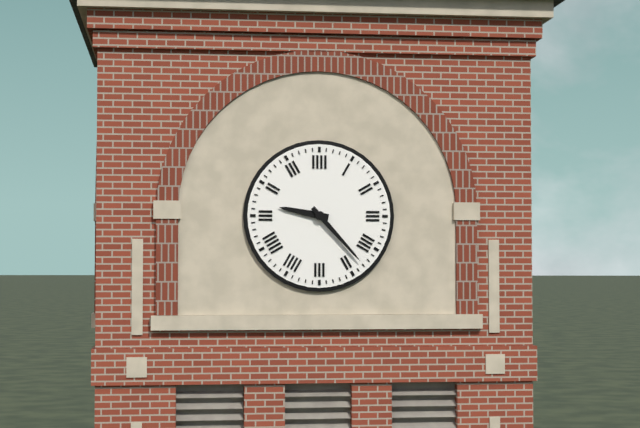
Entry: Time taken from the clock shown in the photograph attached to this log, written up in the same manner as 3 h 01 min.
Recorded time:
9 h 23 min
